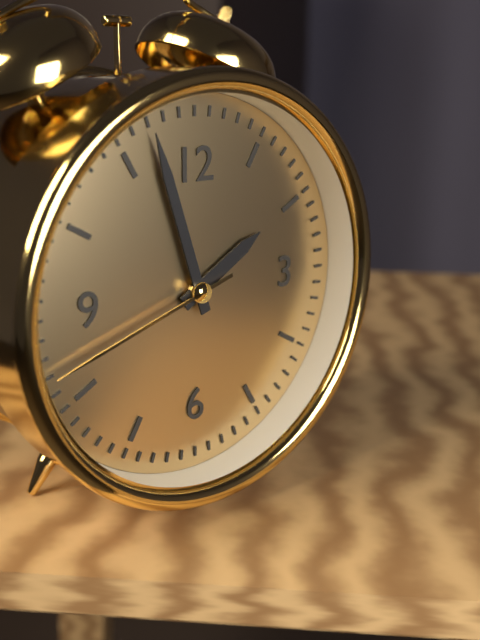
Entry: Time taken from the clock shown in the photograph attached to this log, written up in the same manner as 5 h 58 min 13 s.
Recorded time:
1 h 57 min 42 s
